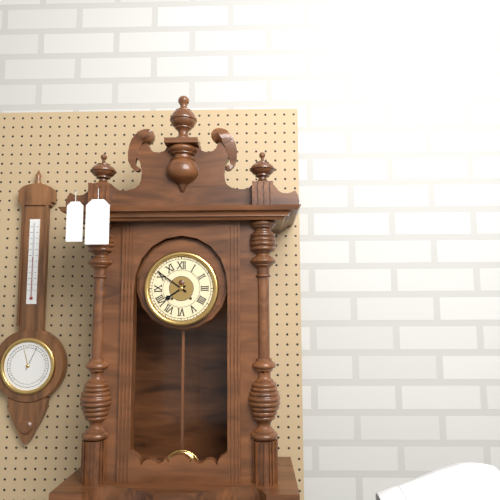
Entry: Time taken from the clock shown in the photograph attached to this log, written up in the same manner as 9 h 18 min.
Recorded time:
7 h 51 min
